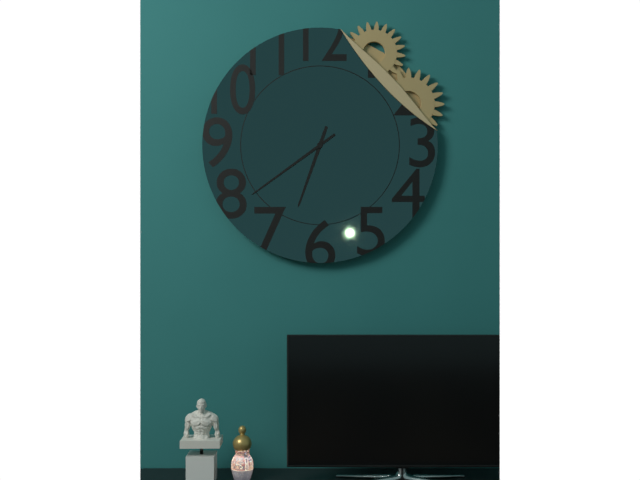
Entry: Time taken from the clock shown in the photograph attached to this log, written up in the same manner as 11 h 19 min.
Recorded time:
6 h 39 min
